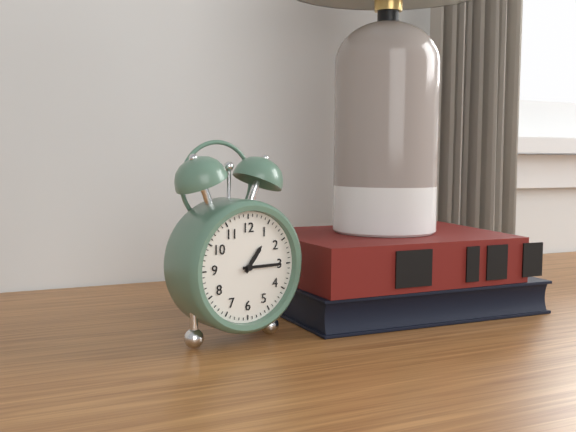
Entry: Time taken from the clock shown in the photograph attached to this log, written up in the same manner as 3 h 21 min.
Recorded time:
1 h 15 min
